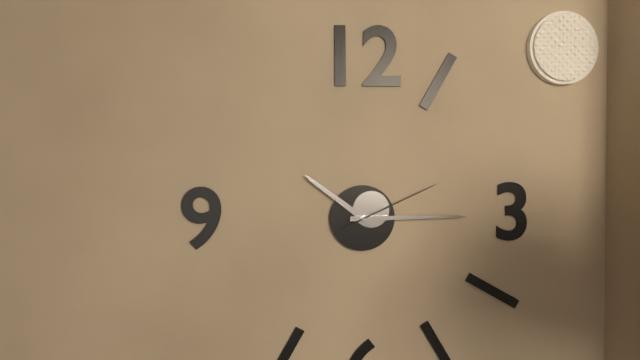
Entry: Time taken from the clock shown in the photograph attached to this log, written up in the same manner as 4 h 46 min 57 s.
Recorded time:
10 h 15 min 11 s
